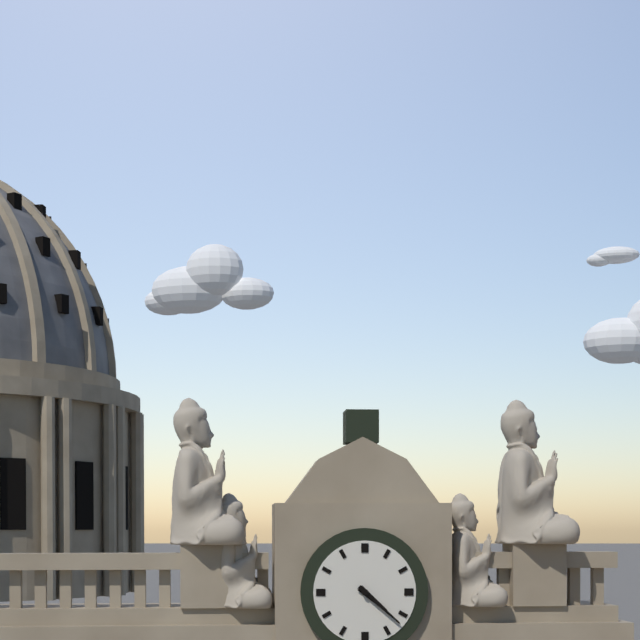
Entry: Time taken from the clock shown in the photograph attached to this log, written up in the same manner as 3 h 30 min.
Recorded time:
4 h 22 min
